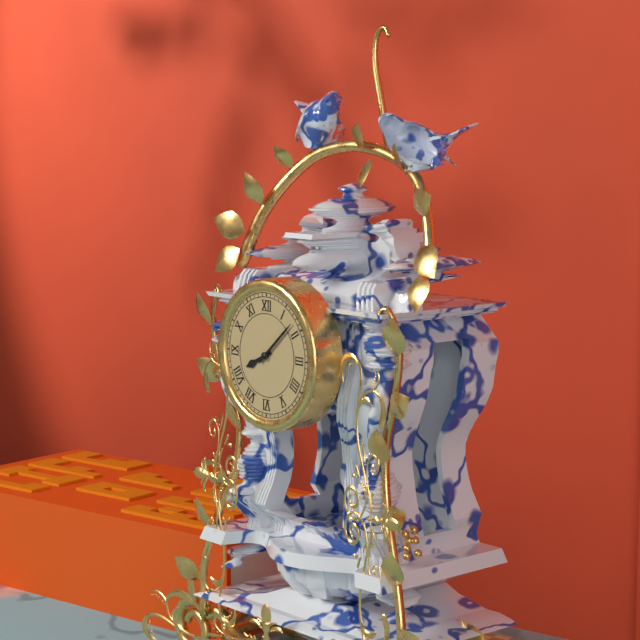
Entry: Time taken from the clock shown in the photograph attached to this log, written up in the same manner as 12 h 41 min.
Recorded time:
8 h 08 min
